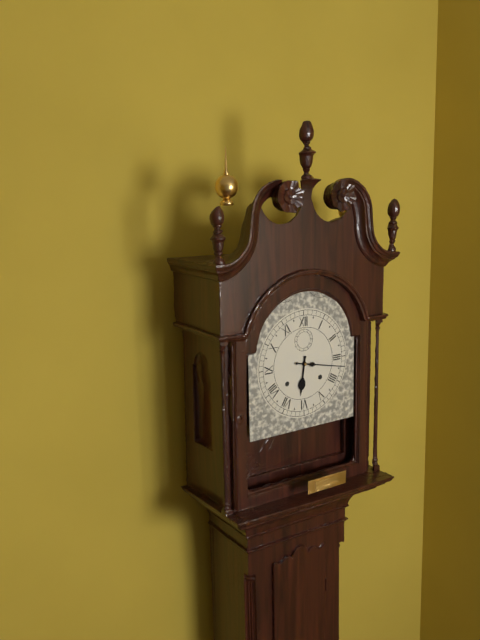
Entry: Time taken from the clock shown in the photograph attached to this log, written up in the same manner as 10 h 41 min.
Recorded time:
6 h 17 min
